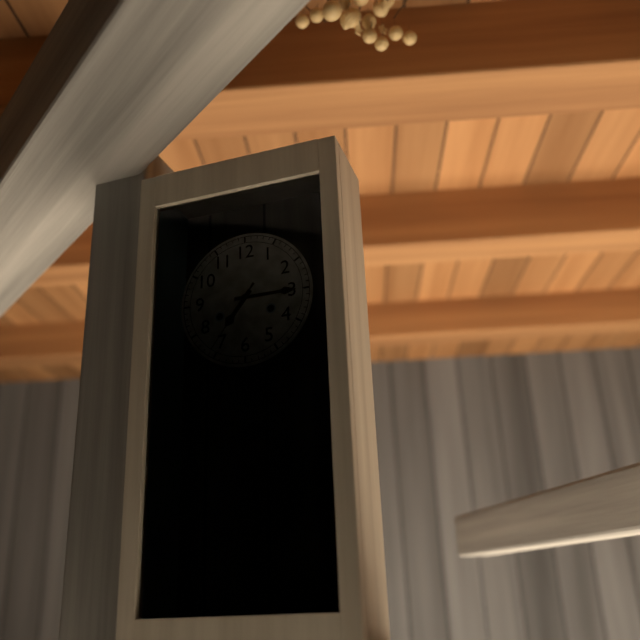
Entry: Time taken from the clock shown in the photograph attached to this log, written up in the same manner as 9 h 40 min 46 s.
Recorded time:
7 h 15 min 36 s
